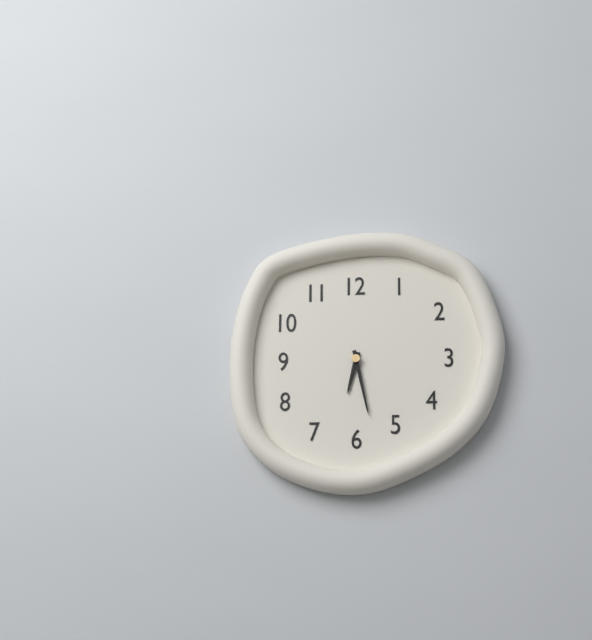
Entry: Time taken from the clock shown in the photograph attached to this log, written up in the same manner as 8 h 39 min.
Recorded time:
6 h 28 min
